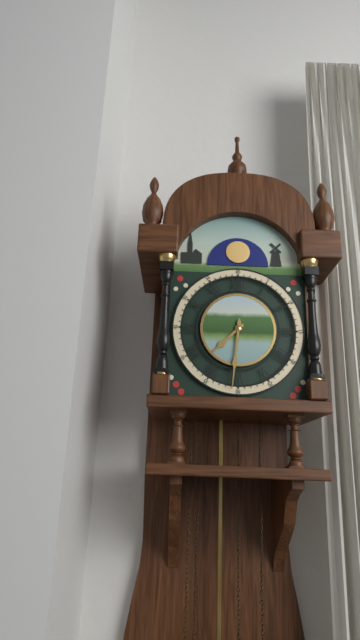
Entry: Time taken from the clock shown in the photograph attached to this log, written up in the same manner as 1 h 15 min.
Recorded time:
7 h 31 min
